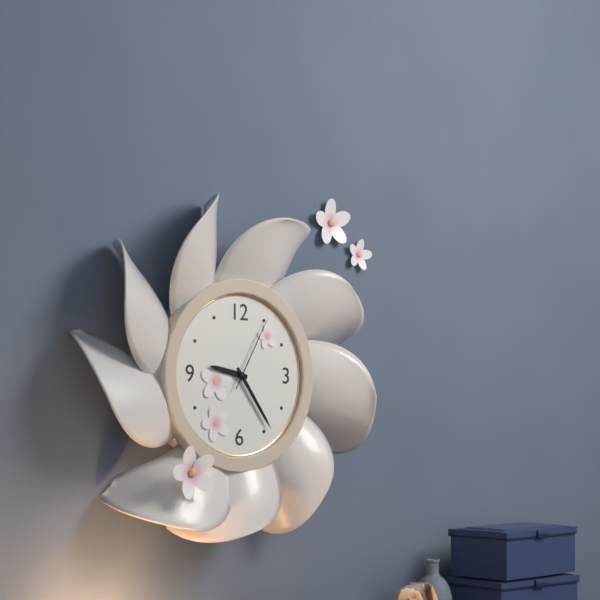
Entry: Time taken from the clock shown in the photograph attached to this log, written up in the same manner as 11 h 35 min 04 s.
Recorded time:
9 h 24 min 05 s
